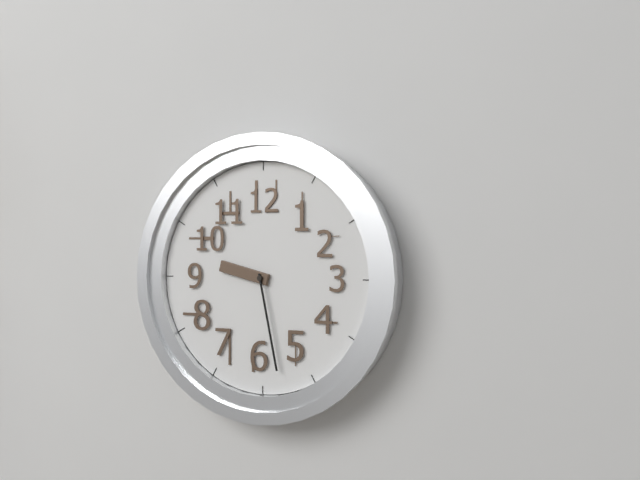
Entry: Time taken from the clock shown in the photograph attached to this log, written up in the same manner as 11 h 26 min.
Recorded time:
9 h 28 min
